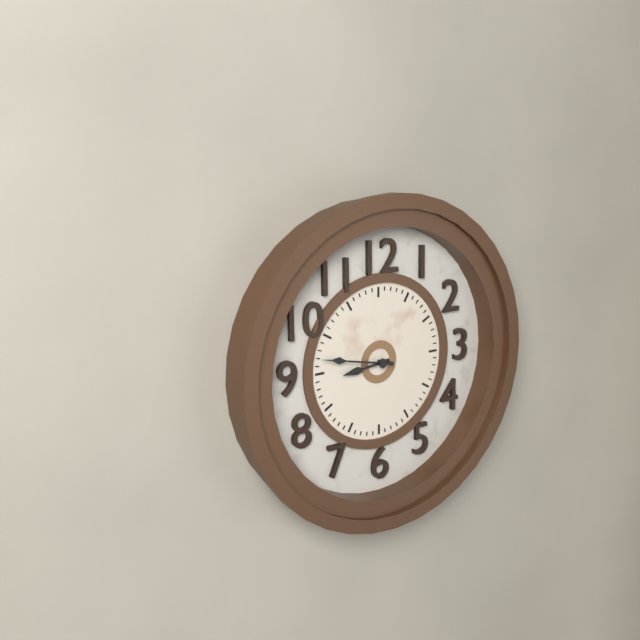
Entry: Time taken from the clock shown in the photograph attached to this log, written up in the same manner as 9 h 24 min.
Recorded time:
8 h 47 min
